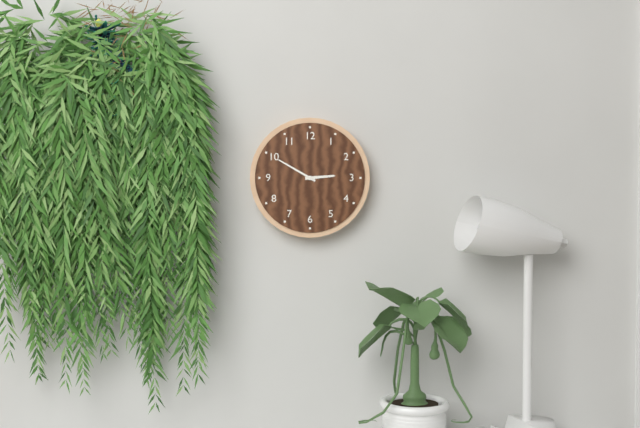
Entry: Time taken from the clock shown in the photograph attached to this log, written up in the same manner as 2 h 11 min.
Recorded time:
2 h 50 min
